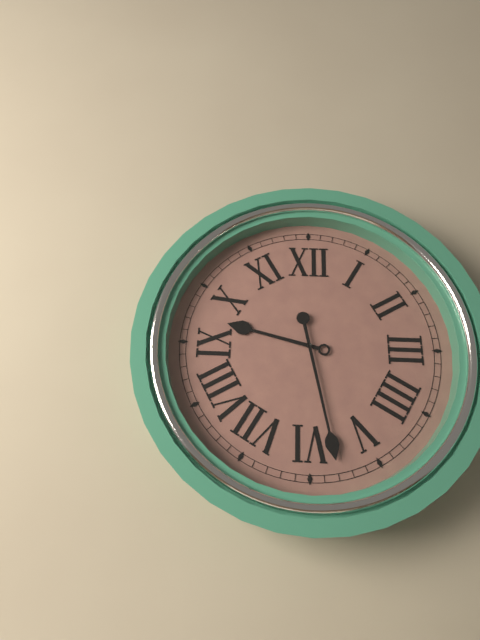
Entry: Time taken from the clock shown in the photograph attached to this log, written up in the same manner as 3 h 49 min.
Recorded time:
9 h 28 min
